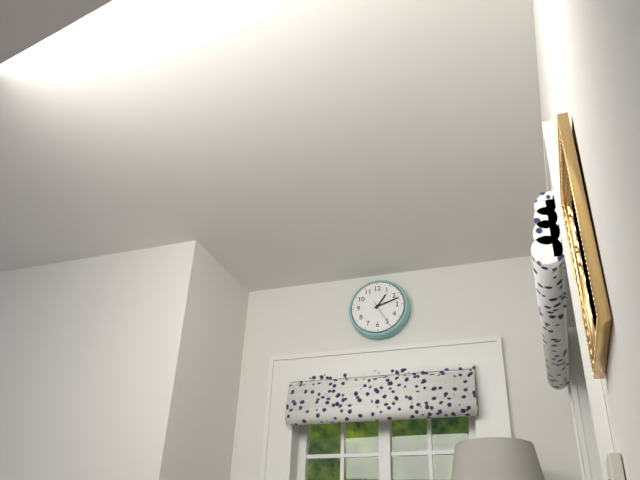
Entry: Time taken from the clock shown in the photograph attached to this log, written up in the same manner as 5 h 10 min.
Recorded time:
1 h 12 min
